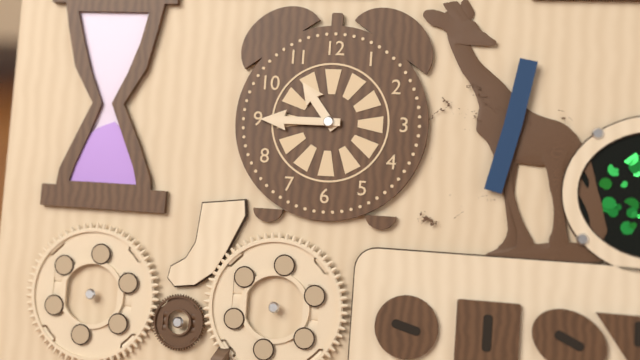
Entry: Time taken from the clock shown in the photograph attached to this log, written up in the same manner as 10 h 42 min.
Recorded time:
10 h 45 min
